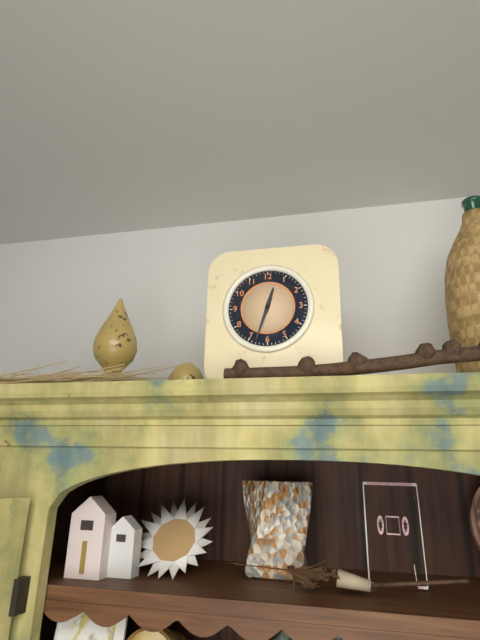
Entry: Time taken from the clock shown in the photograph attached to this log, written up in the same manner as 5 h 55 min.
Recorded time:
12 h 33 min
